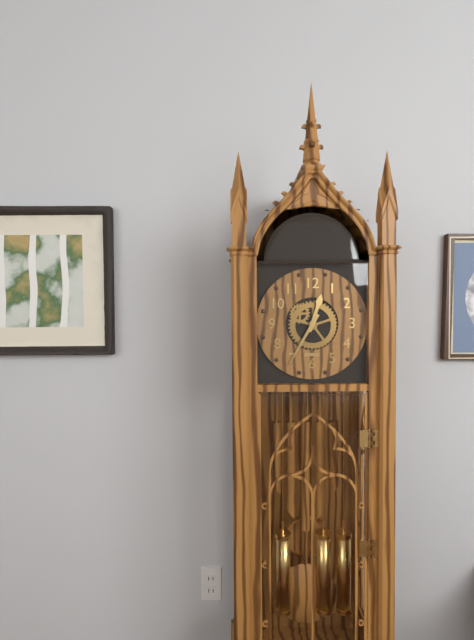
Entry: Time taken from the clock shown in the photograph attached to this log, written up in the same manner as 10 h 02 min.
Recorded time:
12 h 35 min
